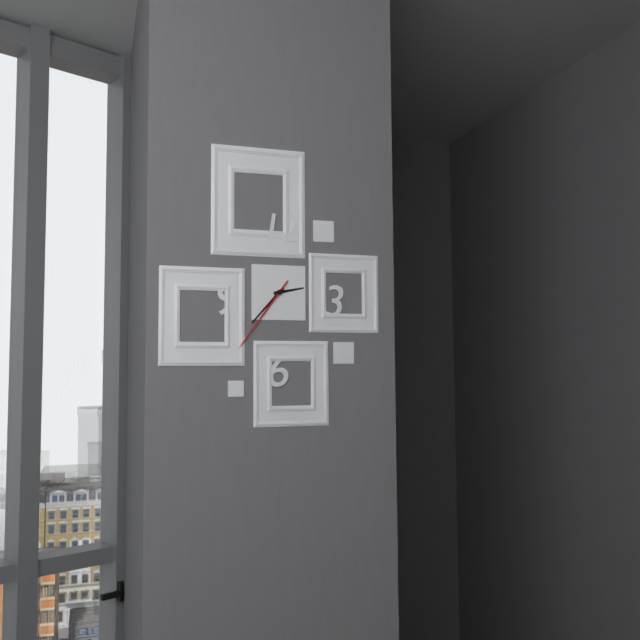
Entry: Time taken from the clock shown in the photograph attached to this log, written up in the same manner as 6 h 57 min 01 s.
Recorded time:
2 h 37 min 36 s
